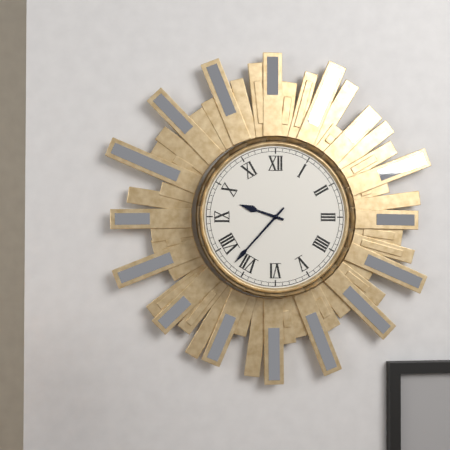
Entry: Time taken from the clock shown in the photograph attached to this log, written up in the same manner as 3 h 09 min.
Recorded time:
9 h 37 min
